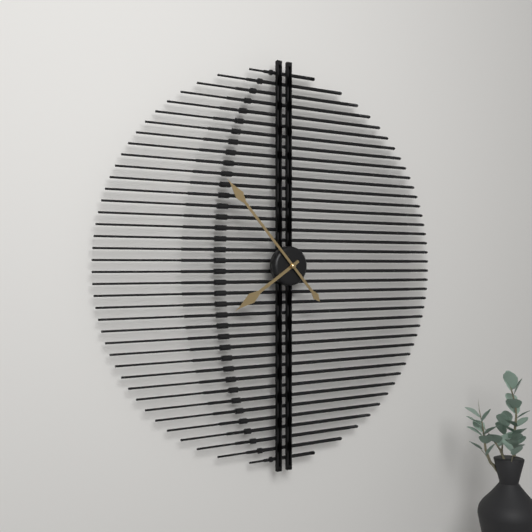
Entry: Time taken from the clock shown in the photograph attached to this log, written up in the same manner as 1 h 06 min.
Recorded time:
7 h 53 min
